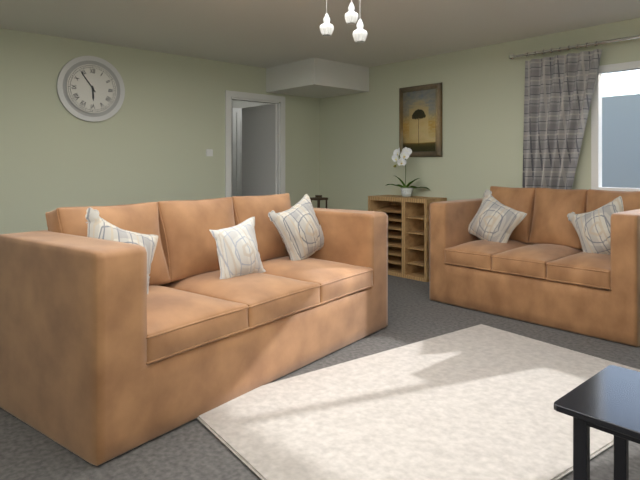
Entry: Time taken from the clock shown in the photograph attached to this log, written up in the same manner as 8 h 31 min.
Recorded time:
5 h 54 min
